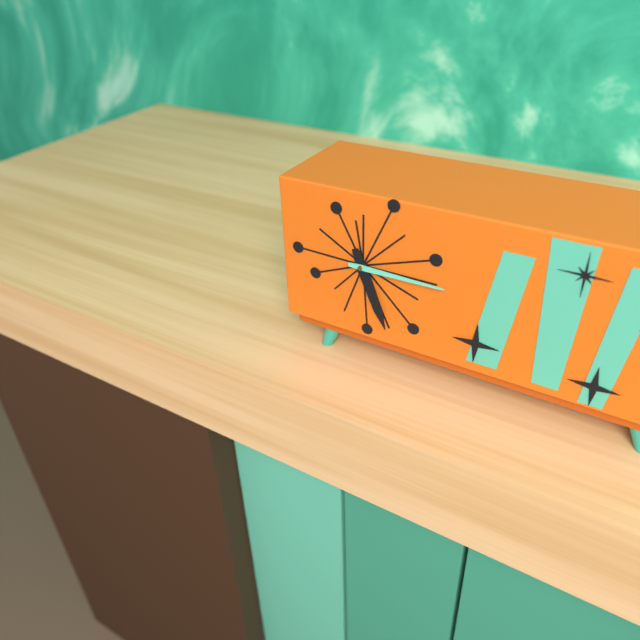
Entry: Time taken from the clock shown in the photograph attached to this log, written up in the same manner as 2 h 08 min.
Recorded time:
5 h 15 min
